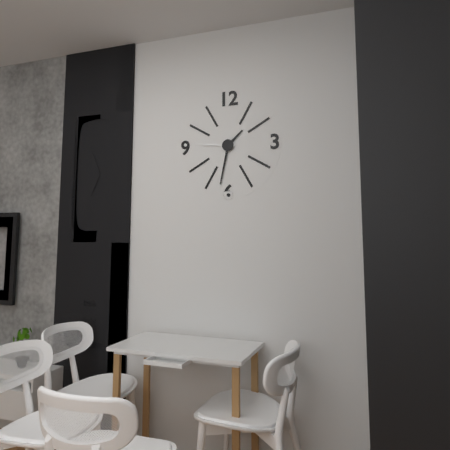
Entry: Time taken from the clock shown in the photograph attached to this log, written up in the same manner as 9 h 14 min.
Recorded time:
1 h 32 min
